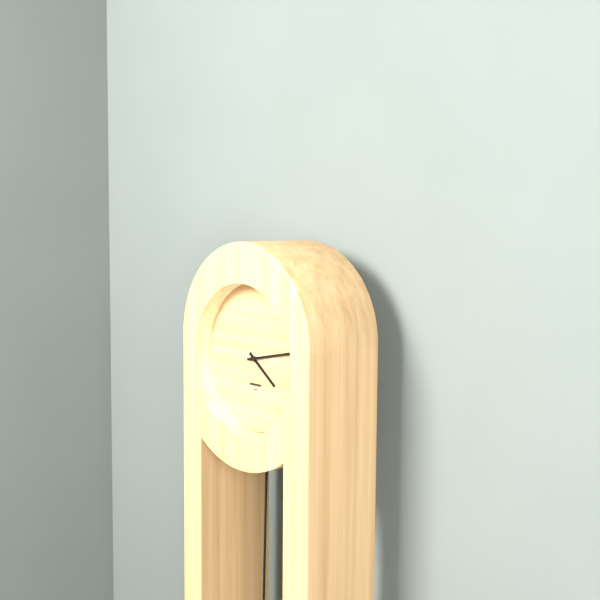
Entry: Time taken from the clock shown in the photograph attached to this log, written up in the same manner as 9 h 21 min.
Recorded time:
4 h 13 min
